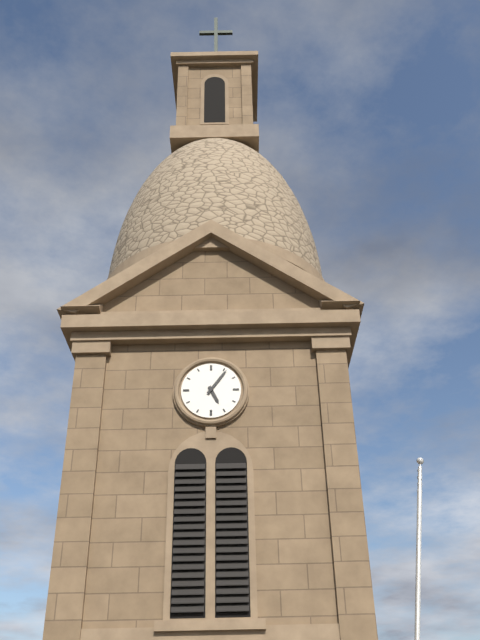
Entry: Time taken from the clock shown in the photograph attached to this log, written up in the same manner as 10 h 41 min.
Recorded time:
5 h 06 min
